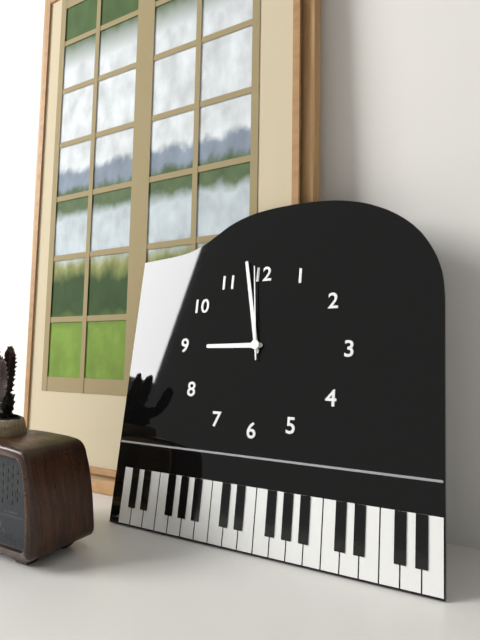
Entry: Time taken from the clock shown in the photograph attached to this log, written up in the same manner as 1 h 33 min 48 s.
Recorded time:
8 h 58 min 59 s
